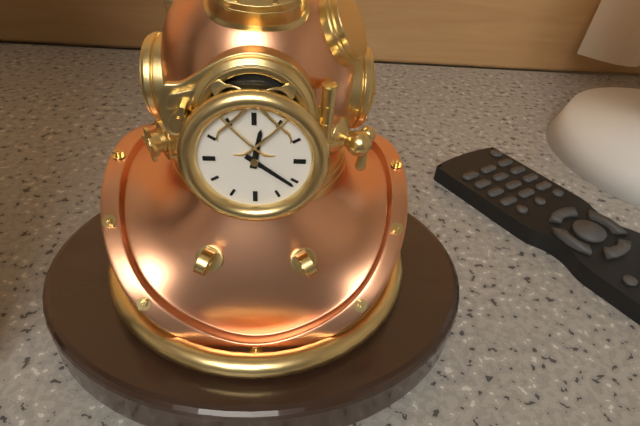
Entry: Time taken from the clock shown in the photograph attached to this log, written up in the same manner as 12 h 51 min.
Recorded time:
12 h 21 min
